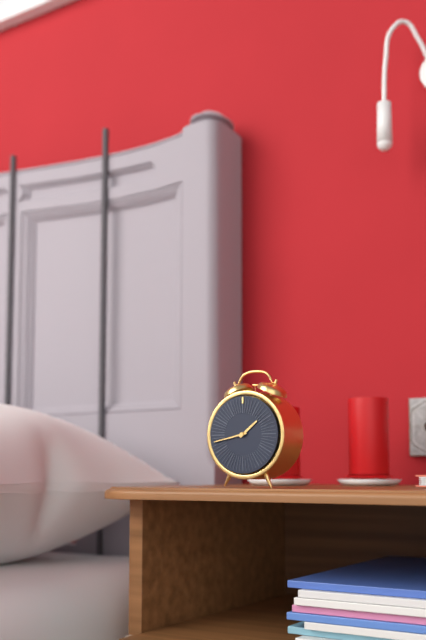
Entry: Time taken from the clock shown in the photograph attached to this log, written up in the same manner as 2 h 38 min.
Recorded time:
1 h 43 min
